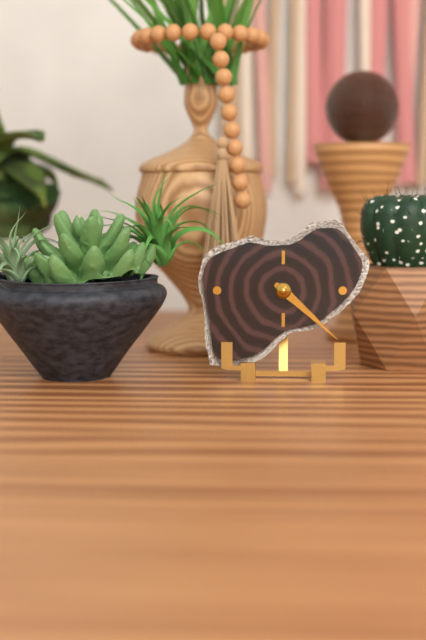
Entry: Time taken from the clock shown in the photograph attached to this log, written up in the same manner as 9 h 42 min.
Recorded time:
4 h 22 min
